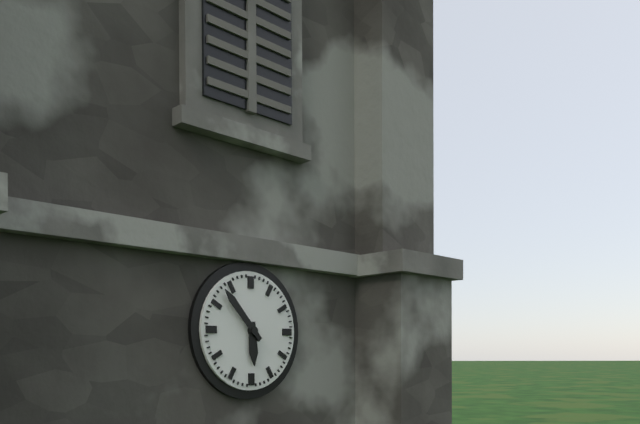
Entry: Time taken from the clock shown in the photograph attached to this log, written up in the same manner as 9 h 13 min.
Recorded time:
5 h 53 min
